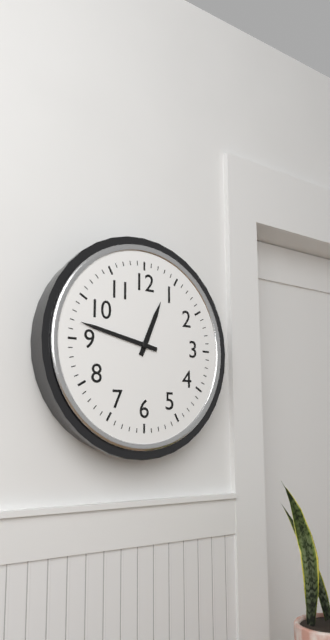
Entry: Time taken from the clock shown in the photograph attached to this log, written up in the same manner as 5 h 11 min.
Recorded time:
12 h 47 min
